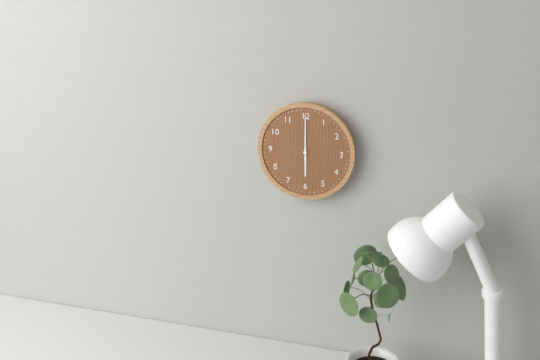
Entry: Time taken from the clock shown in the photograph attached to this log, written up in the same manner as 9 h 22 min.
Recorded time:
6 h 00 min
